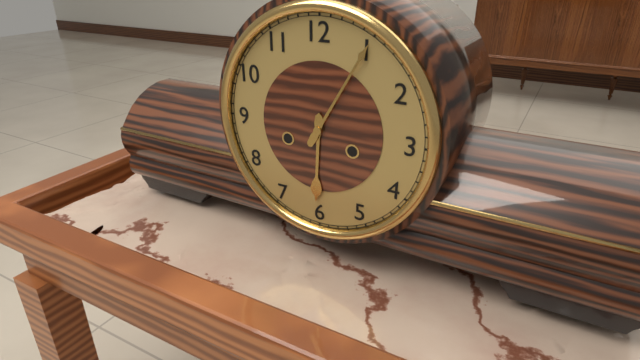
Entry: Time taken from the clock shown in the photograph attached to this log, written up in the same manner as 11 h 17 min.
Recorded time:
6 h 05 min
